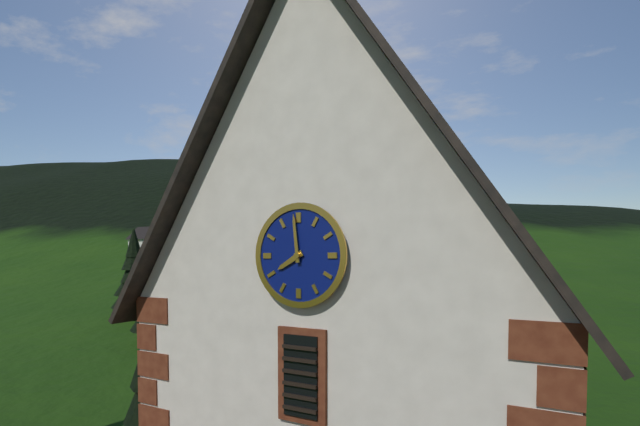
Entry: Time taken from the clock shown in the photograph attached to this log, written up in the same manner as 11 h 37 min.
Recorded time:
7 h 59 min
